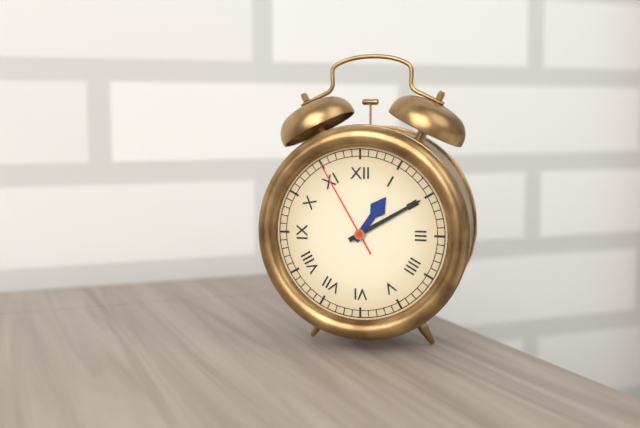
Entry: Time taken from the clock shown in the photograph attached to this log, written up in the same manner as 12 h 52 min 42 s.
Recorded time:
1 h 10 min 55 s
